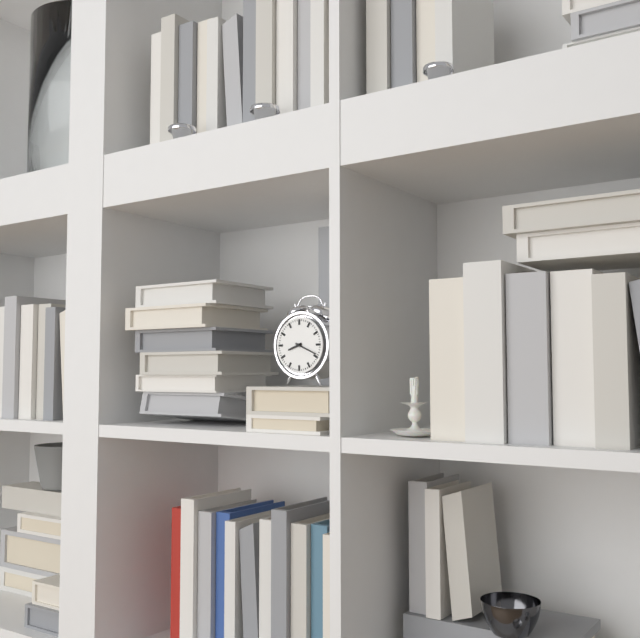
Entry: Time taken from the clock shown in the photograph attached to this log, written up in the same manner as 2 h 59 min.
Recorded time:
8 h 19 min
